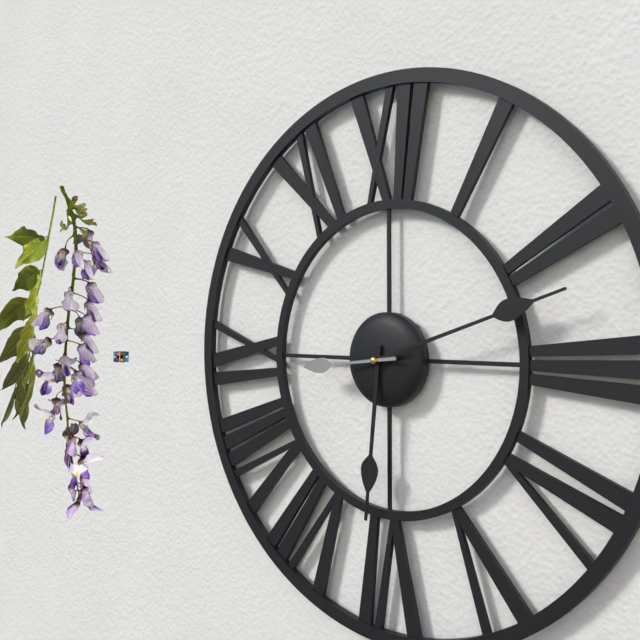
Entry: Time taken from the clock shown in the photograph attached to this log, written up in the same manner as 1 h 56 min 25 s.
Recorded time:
6 h 12 min 44 s
